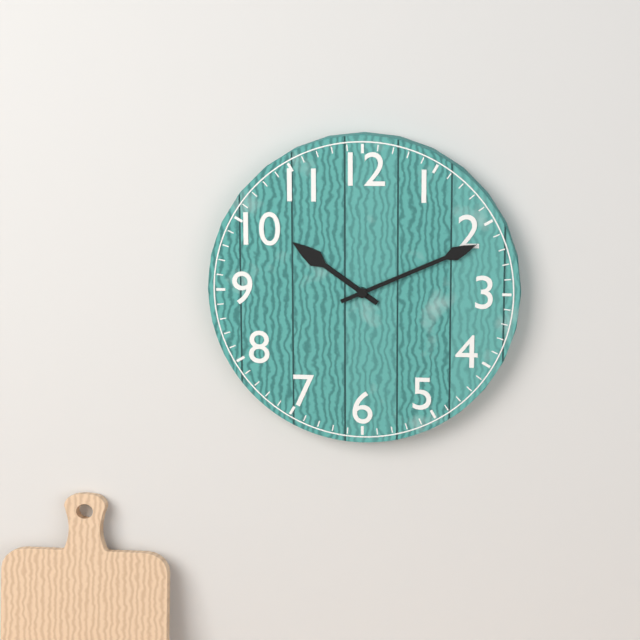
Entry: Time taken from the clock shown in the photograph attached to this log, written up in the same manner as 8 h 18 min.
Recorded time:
10 h 11 min
